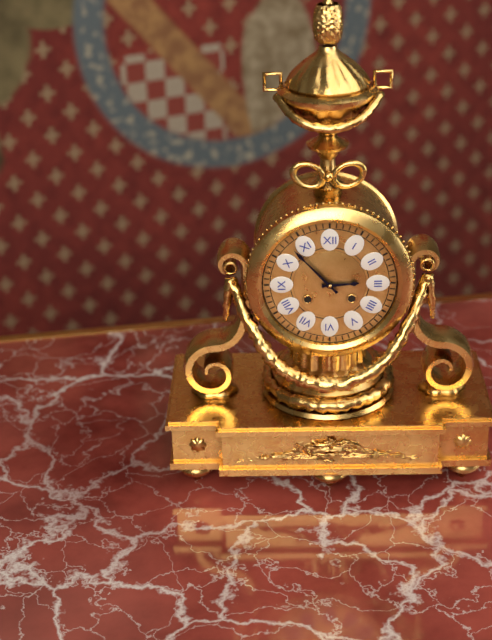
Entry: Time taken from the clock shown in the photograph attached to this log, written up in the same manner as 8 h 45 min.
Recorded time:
2 h 53 min
